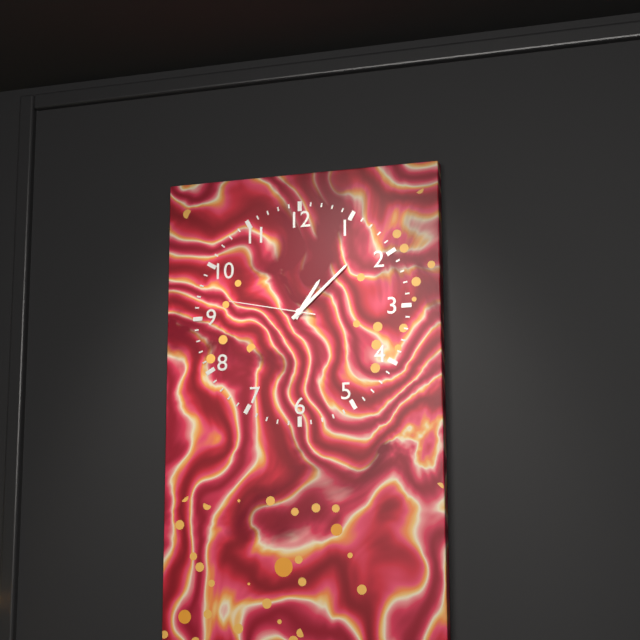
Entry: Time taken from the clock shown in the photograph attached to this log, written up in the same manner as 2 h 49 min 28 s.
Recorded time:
1 h 08 min 47 s
